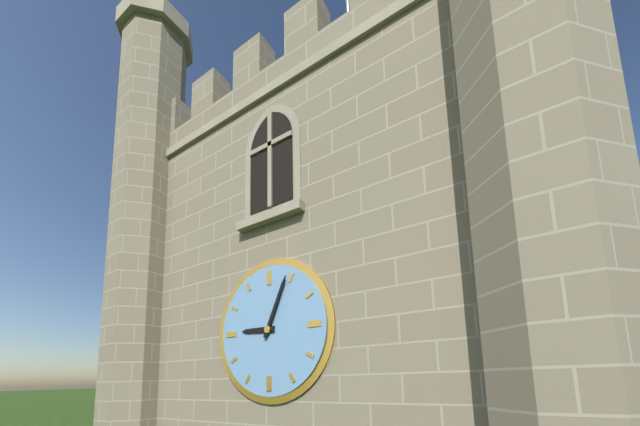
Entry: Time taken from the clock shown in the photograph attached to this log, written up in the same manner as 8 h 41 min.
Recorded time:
9 h 04 min
